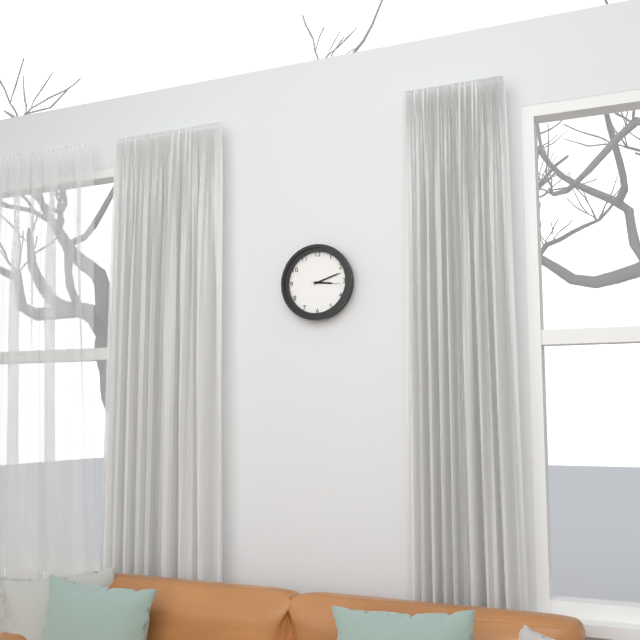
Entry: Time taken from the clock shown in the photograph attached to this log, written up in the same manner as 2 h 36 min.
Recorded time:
3 h 12 min
